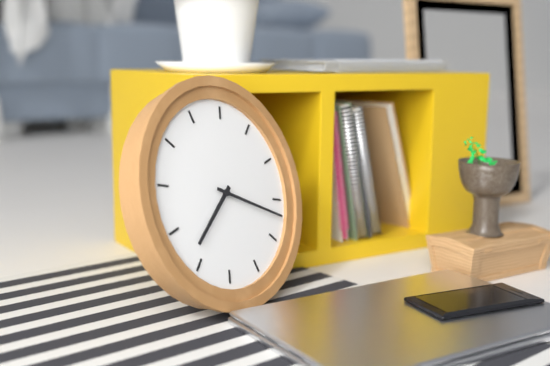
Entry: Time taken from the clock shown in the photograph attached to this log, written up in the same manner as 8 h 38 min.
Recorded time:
7 h 17 min
